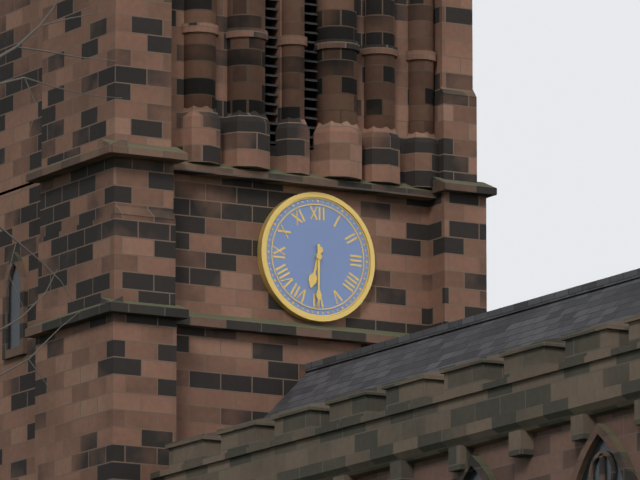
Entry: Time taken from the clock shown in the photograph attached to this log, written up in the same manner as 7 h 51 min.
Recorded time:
6 h 30 min
